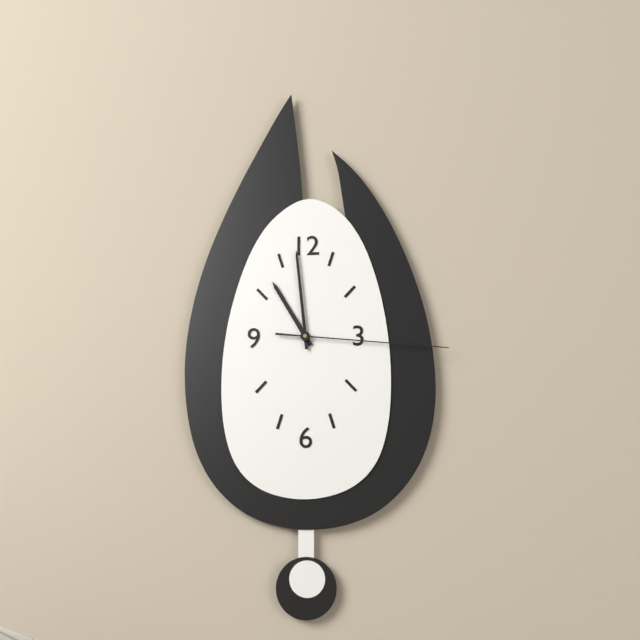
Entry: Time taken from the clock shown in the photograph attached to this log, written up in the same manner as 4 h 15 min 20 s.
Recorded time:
10 h 59 min 16 s
